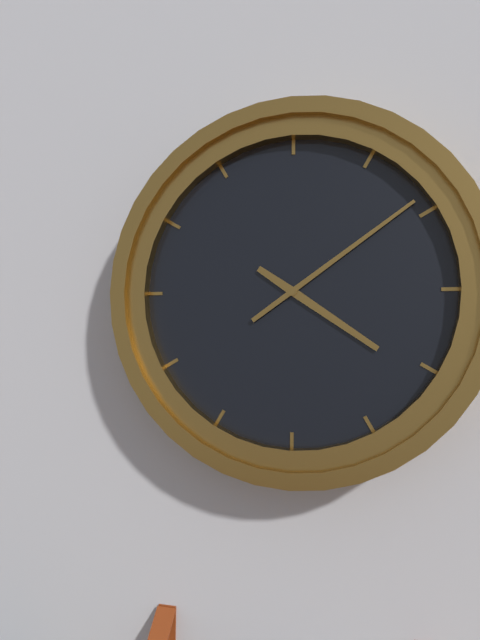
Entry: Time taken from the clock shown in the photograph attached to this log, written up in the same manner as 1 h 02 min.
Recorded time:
4 h 09 min
